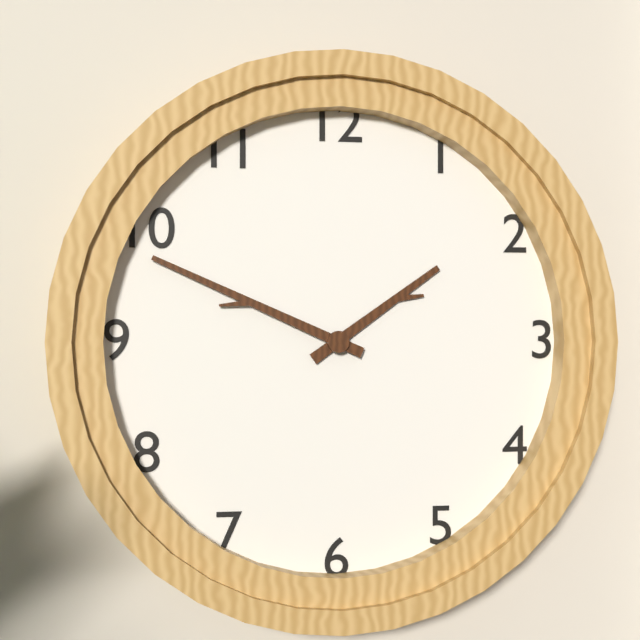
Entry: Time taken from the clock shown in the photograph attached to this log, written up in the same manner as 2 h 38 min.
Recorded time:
1 h 49 min
